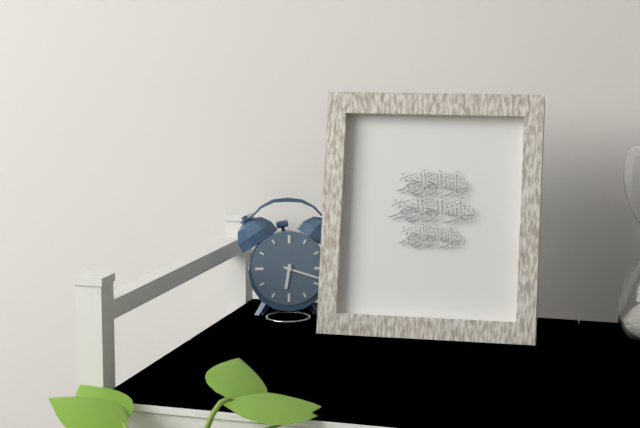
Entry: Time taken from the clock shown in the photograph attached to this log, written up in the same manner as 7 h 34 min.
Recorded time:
6 h 18 min
